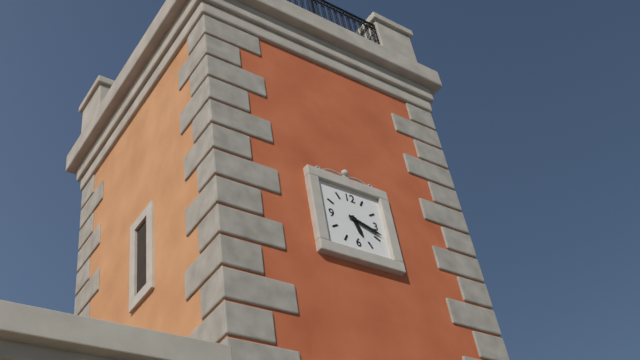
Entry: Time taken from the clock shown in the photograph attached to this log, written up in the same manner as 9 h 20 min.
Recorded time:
5 h 18 min
